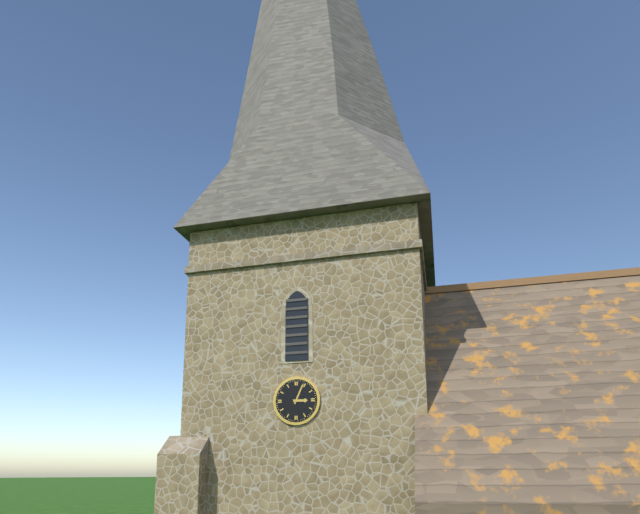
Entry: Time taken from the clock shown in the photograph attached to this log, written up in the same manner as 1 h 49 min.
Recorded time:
3 h 04 min
